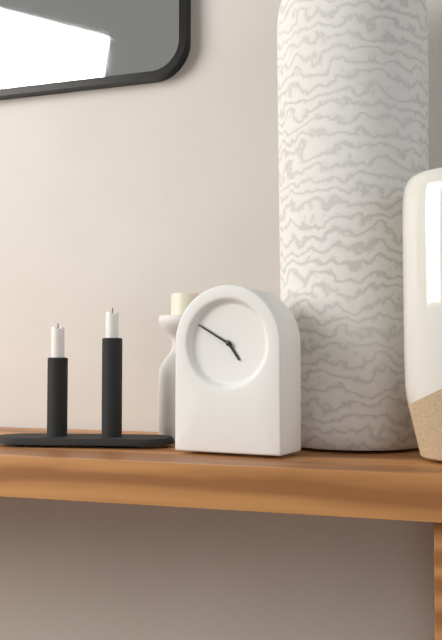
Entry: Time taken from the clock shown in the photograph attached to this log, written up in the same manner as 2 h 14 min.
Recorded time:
4 h 50 min
